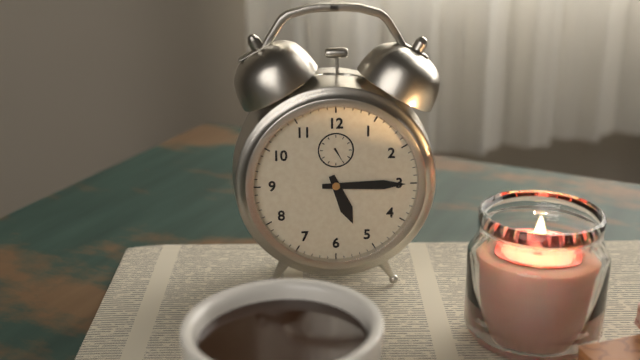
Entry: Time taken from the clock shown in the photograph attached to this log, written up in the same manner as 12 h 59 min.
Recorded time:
5 h 15 min
